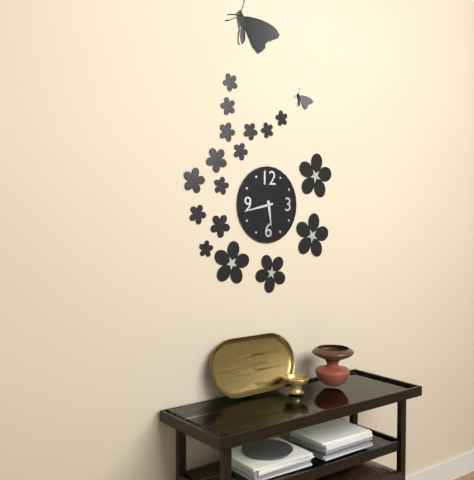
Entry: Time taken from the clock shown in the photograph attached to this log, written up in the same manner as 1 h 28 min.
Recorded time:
5 h 43 min
